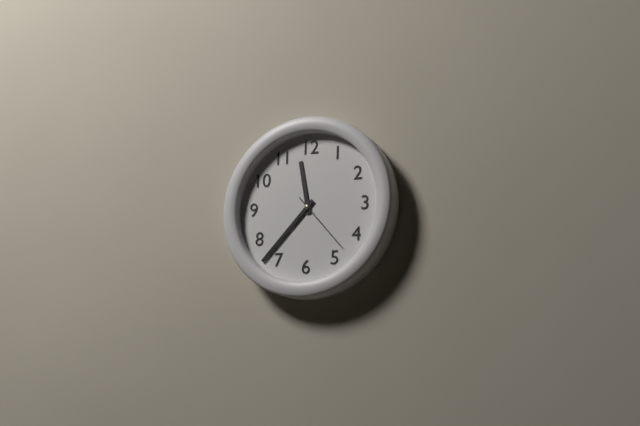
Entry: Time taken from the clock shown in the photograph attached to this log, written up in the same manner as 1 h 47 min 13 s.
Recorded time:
11 h 37 min 23 s
